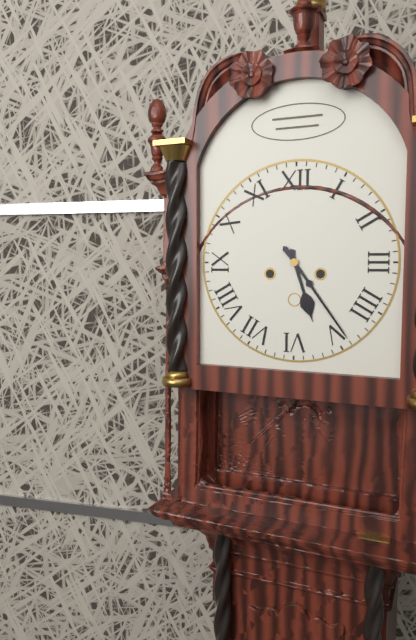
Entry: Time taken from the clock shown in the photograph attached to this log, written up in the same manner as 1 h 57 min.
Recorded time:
5 h 24 min
